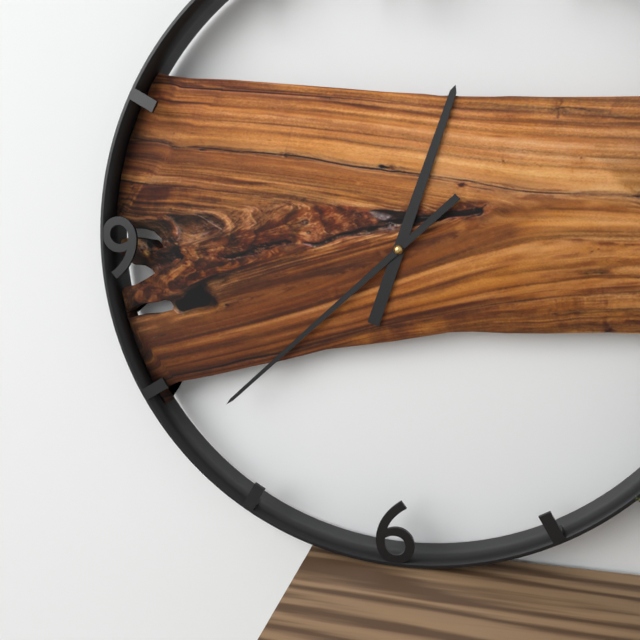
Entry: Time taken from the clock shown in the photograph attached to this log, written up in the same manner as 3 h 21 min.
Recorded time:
12 h 38 min
